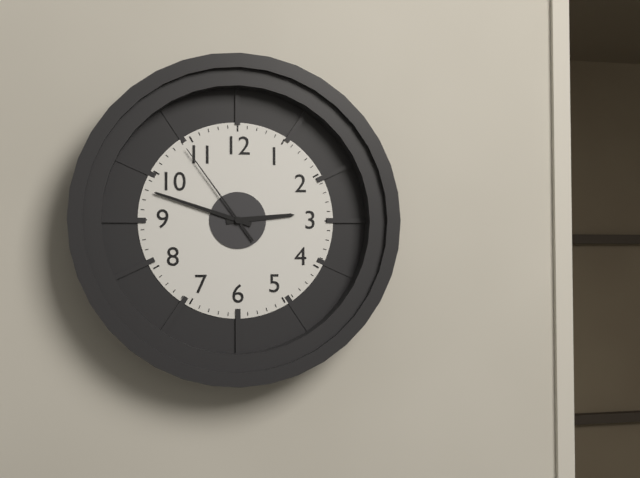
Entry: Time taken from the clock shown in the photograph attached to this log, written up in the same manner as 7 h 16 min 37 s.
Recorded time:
2 h 48 min 54 s
